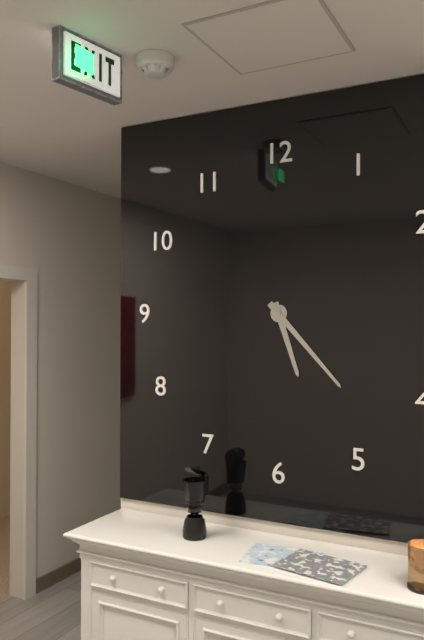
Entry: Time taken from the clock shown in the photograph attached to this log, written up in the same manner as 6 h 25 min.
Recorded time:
5 h 23 min
